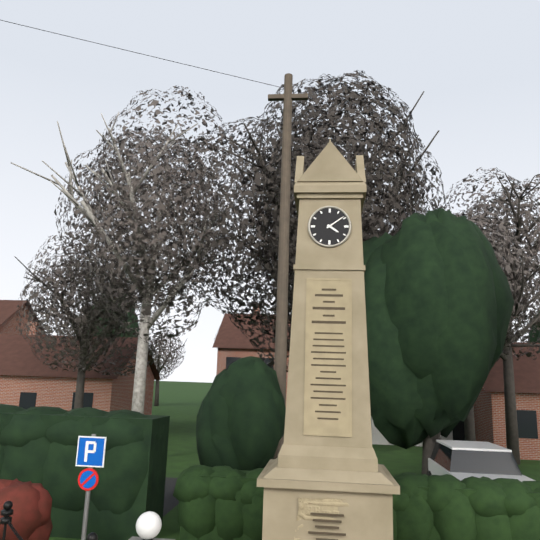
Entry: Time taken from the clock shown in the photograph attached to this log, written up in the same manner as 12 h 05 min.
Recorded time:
4 h 09 min
